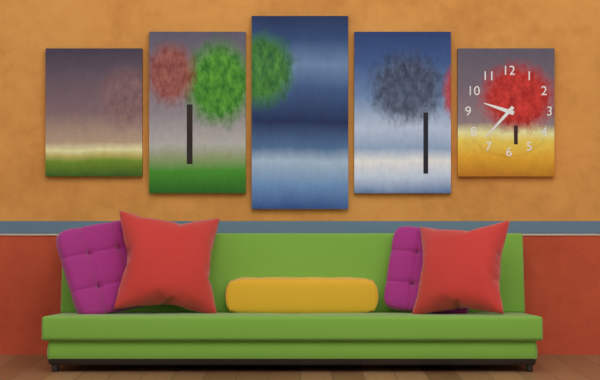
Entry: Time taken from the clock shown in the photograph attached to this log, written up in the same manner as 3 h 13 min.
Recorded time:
9 h 37 min
